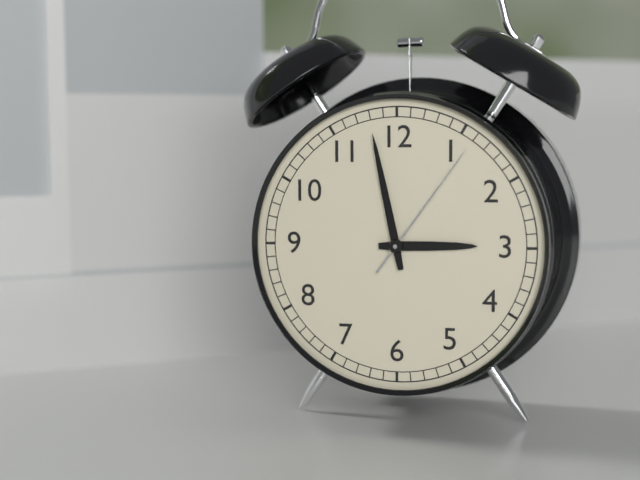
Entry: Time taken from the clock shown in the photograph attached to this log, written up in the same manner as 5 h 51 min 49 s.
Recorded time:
2 h 58 min 06 s
